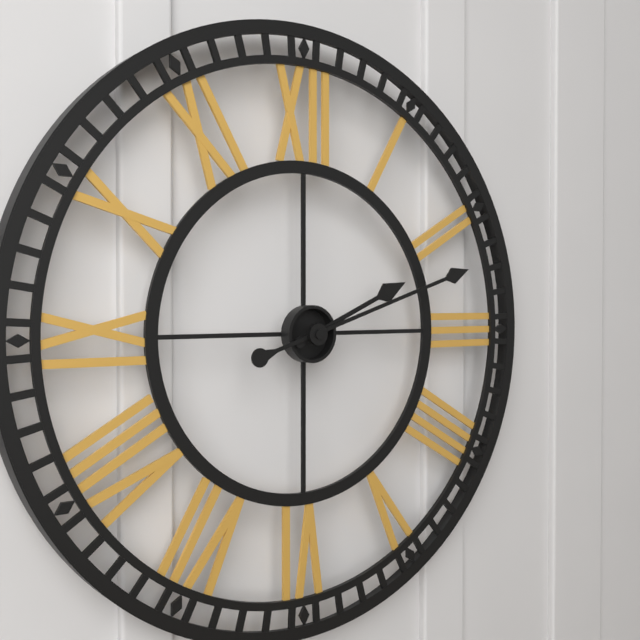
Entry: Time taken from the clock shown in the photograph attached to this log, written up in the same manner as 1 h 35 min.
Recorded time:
2 h 12 min
